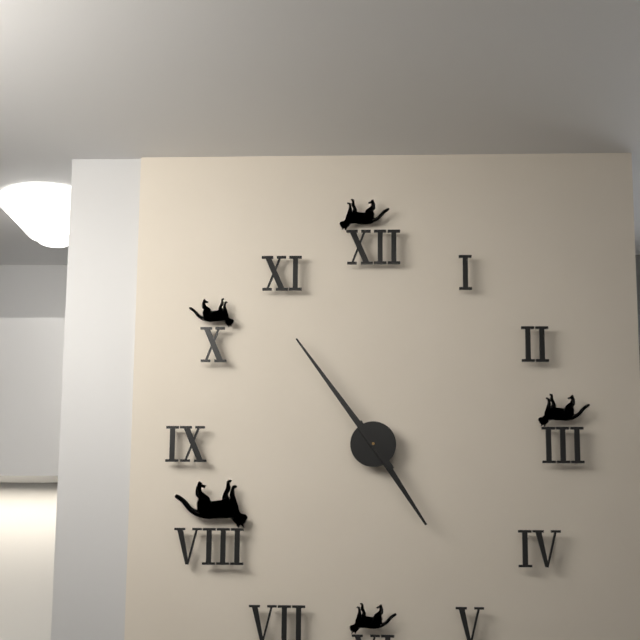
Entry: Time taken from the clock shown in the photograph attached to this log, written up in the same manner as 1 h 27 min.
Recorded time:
4 h 54 min
